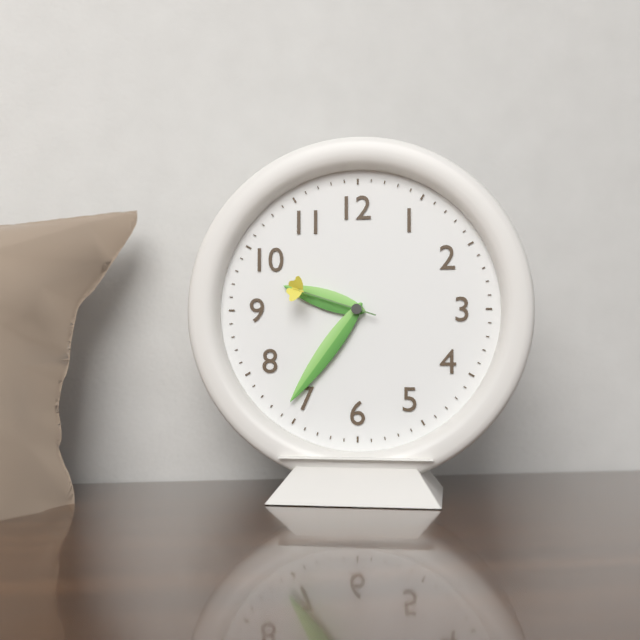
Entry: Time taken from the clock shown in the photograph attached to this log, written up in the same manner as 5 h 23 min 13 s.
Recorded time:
9 h 36 min 48 s
